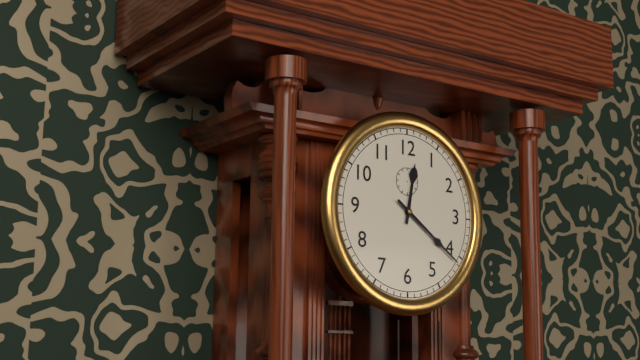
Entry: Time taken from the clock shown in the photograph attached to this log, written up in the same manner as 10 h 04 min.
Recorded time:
12 h 21 min
